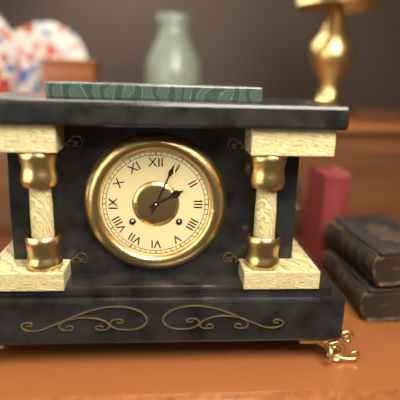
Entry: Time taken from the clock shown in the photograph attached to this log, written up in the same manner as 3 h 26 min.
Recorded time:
2 h 04 min
